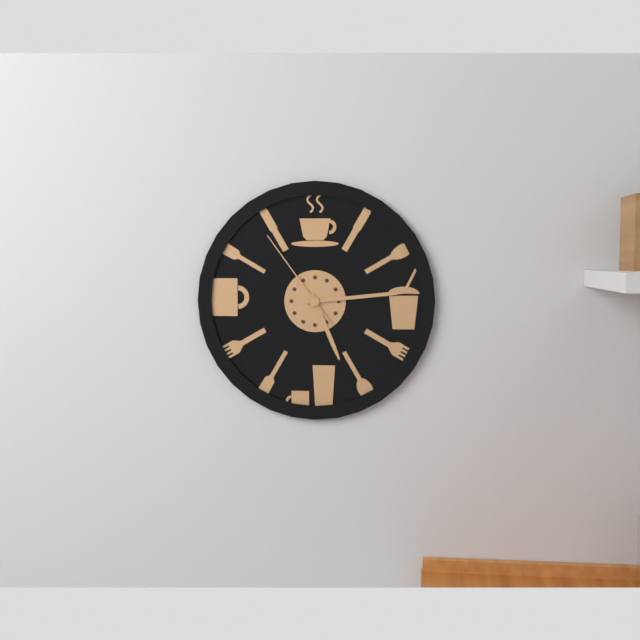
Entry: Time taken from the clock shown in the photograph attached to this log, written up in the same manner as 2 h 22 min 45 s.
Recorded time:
5 h 14 min 54 s
